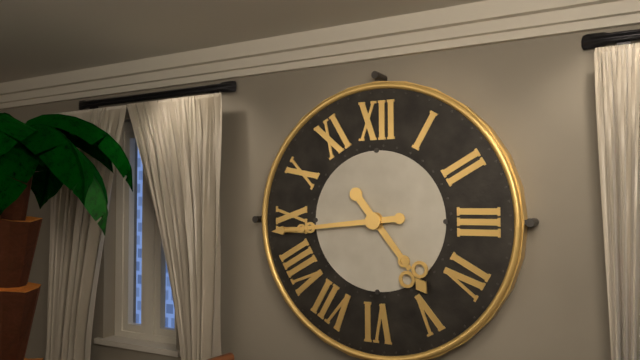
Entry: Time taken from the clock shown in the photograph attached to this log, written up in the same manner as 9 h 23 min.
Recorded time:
4 h 44 min
